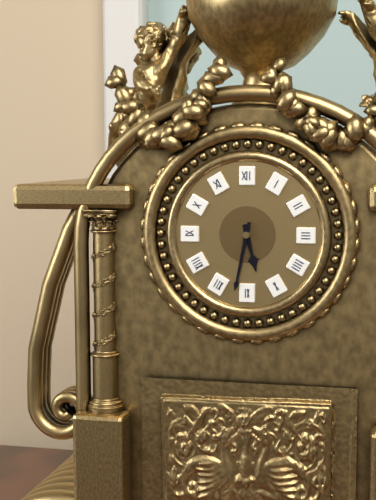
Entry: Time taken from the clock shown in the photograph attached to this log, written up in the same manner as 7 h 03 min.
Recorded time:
5 h 32 min
